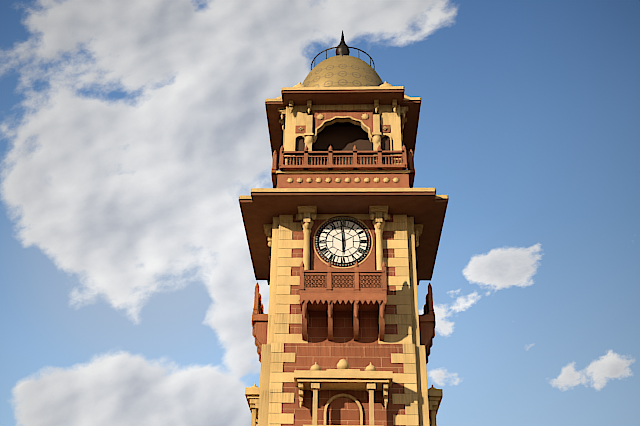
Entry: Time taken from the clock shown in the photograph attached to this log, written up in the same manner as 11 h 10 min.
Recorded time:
5 h 59 min
